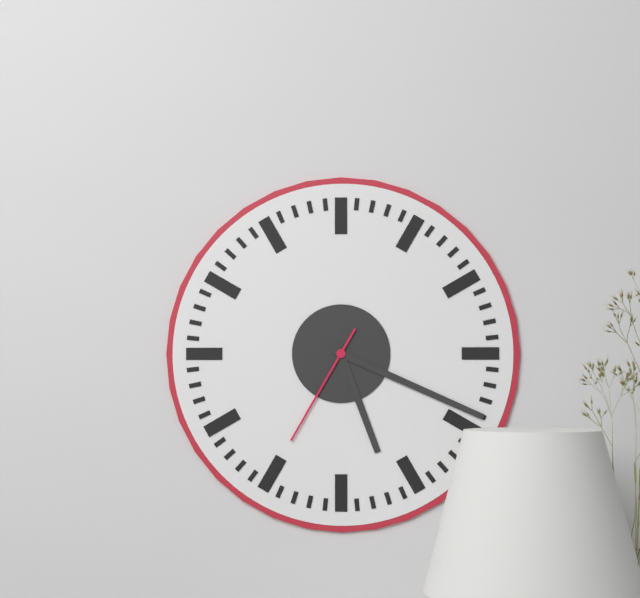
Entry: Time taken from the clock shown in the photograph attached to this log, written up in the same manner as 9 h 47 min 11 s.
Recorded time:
5 h 19 min 35 s
